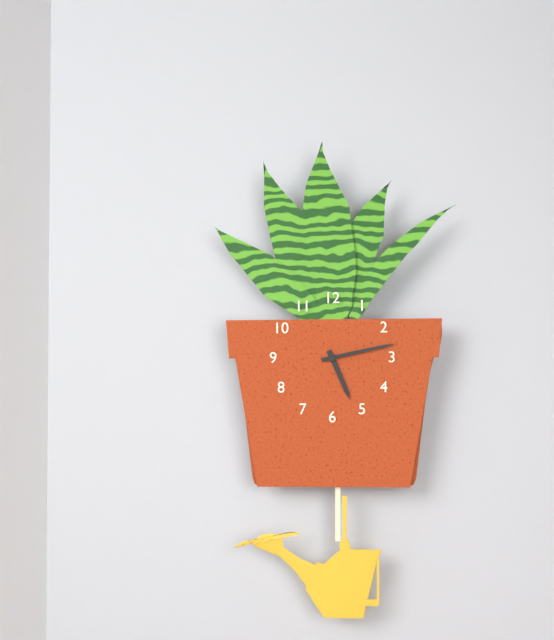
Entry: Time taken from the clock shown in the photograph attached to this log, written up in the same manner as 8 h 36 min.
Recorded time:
5 h 13 min
